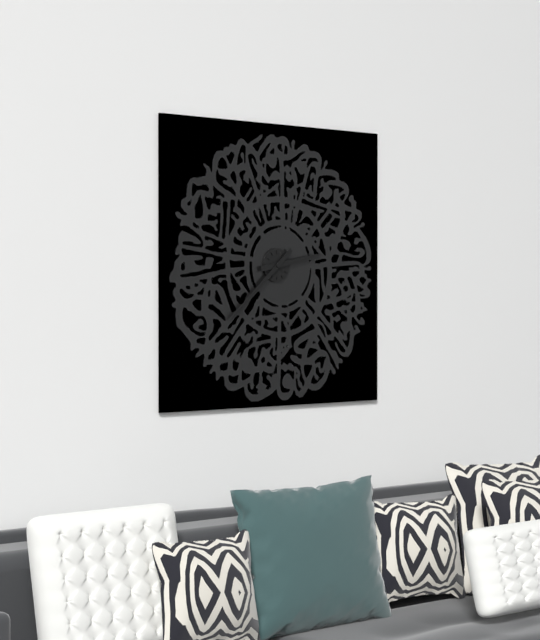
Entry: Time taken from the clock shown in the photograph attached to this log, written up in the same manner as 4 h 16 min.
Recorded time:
2 h 38 min
